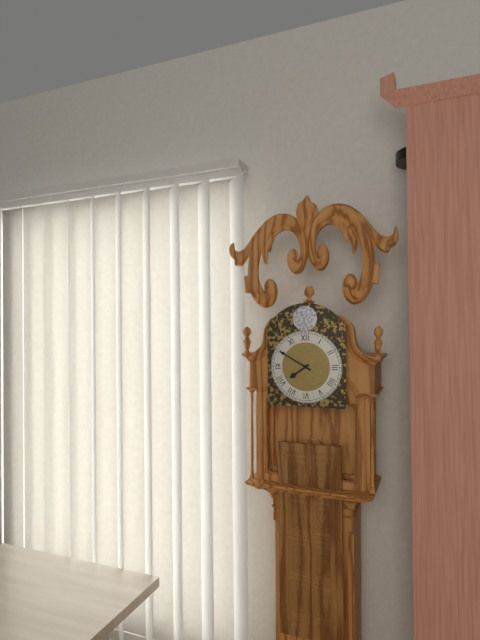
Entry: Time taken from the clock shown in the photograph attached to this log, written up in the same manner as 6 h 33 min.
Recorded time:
7 h 50 min
